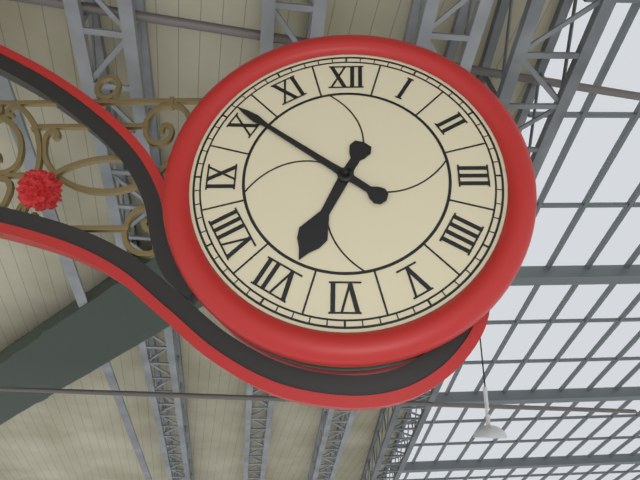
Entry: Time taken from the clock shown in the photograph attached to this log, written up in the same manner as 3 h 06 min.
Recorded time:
6 h 51 min
